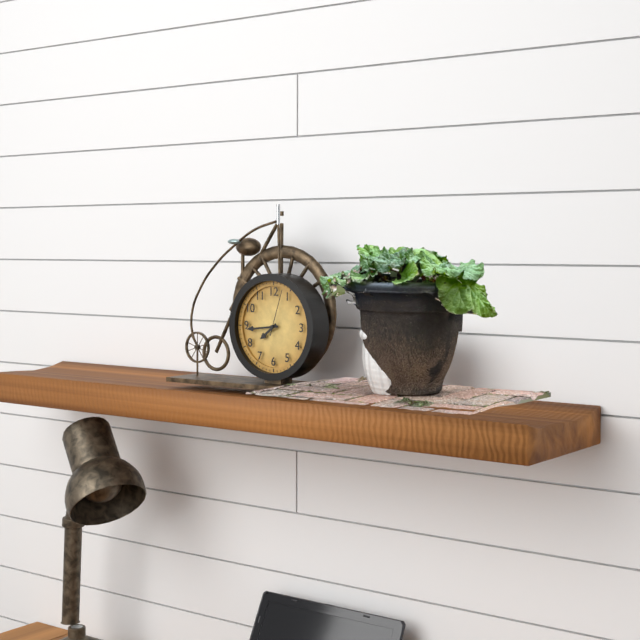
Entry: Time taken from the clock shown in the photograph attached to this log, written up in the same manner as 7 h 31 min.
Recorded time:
7 h 44 min
